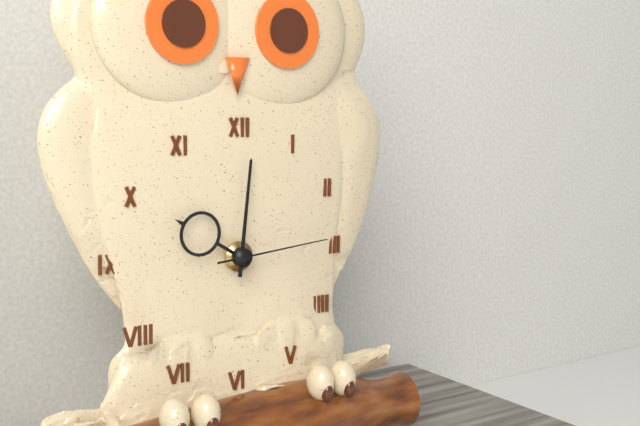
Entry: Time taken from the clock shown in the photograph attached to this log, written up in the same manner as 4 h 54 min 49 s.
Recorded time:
10 h 01 min 14 s
